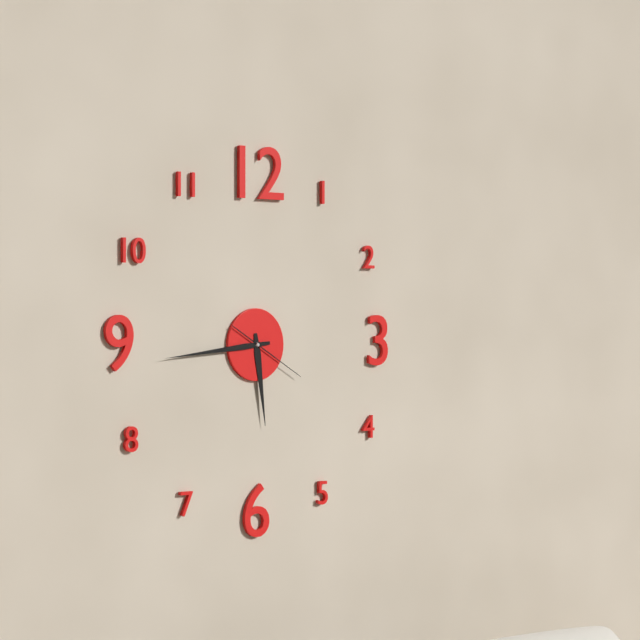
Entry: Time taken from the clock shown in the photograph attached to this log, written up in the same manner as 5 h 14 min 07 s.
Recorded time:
5 h 44 min 20 s
